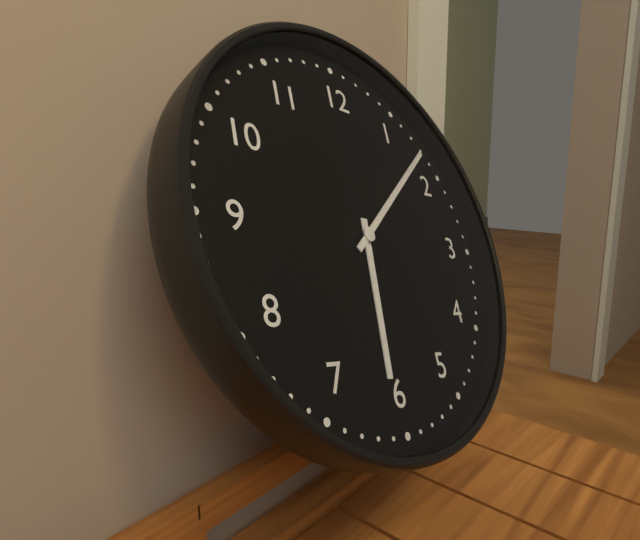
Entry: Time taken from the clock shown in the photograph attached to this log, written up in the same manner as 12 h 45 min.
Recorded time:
6 h 08 min
